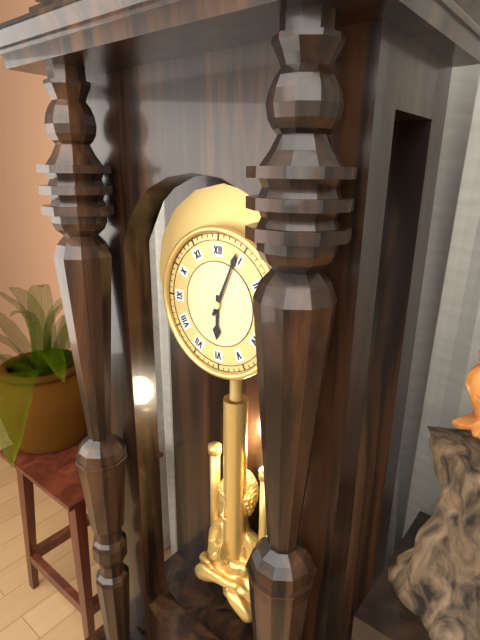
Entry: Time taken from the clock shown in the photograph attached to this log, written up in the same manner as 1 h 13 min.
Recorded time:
6 h 04 min
